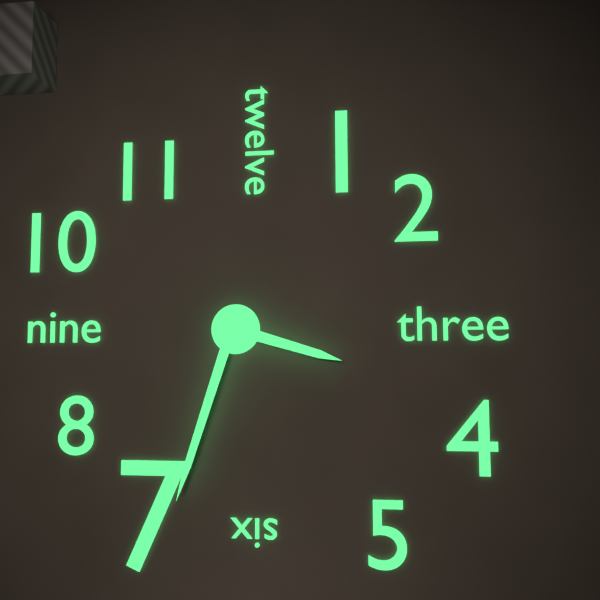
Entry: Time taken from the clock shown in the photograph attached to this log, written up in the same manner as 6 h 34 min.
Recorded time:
3 h 33 min
